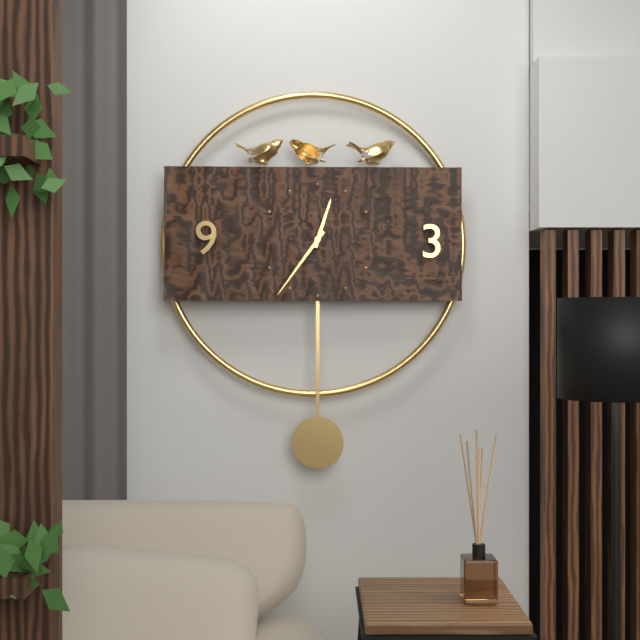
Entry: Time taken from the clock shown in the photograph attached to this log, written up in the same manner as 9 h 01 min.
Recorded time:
12 h 36 min
